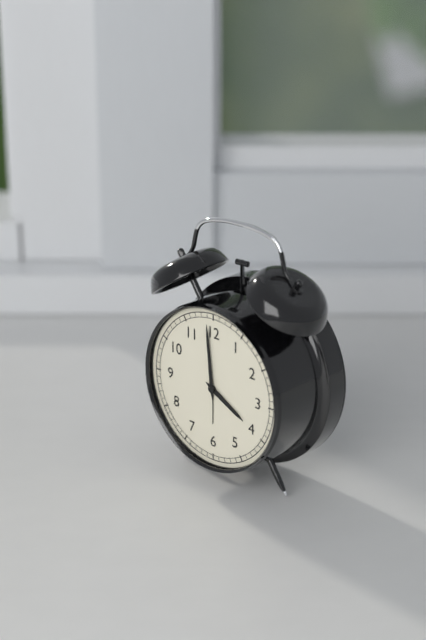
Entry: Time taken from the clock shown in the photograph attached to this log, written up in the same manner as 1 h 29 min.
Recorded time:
3 h 59 min
